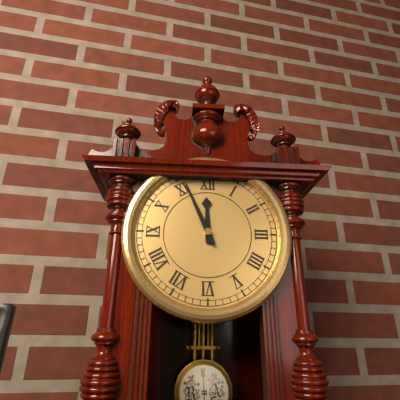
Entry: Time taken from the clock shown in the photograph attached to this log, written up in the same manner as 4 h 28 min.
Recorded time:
11 h 56 min
